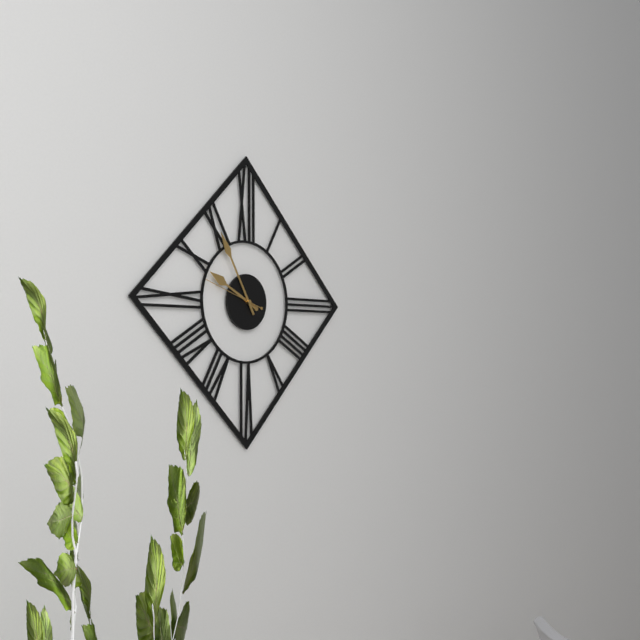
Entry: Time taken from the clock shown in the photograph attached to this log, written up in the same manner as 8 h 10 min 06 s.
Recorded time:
9 h 55 min 48 s
